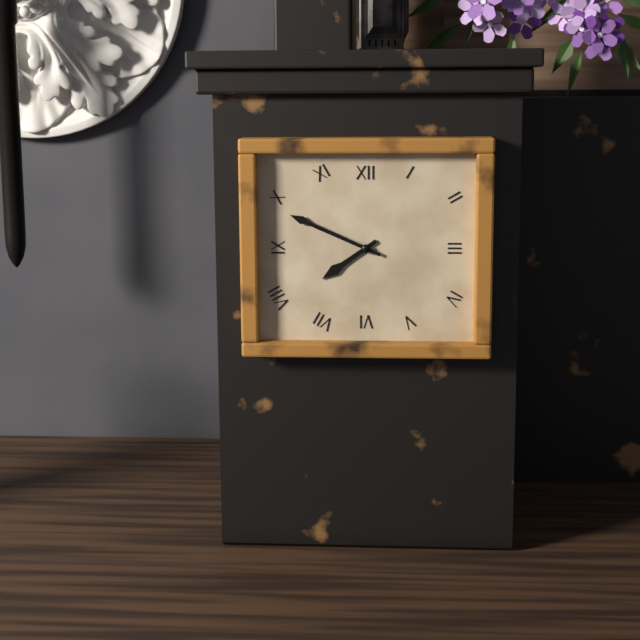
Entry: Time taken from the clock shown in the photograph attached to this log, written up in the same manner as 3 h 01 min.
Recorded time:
7 h 49 min
